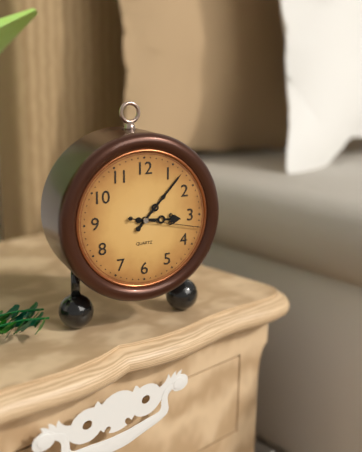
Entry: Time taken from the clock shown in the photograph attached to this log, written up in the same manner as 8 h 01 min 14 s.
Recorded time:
3 h 07 min 17 s
